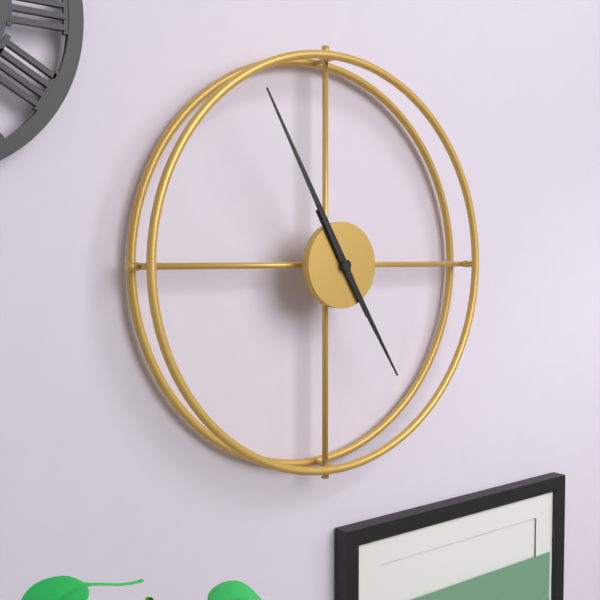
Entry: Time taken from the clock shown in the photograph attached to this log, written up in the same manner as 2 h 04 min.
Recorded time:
4 h 55 min
